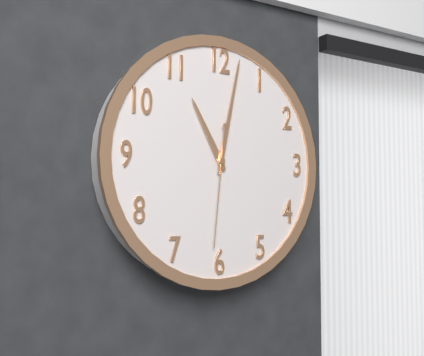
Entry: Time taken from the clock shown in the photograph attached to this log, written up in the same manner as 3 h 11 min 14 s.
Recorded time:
11 h 02 min 31 s
